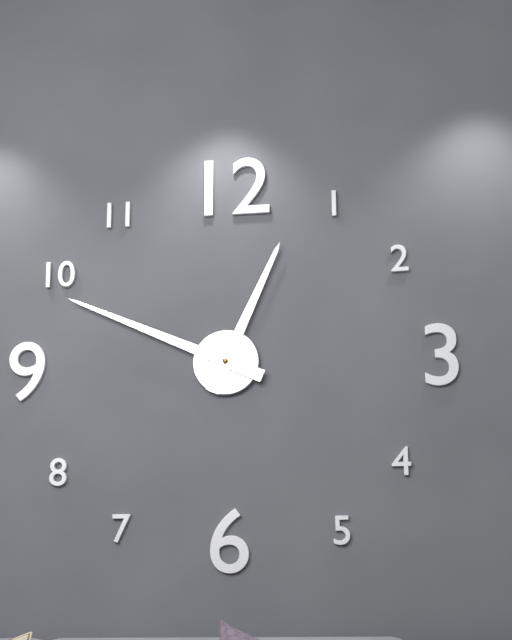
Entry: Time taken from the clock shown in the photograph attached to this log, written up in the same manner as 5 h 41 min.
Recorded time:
12 h 49 min
